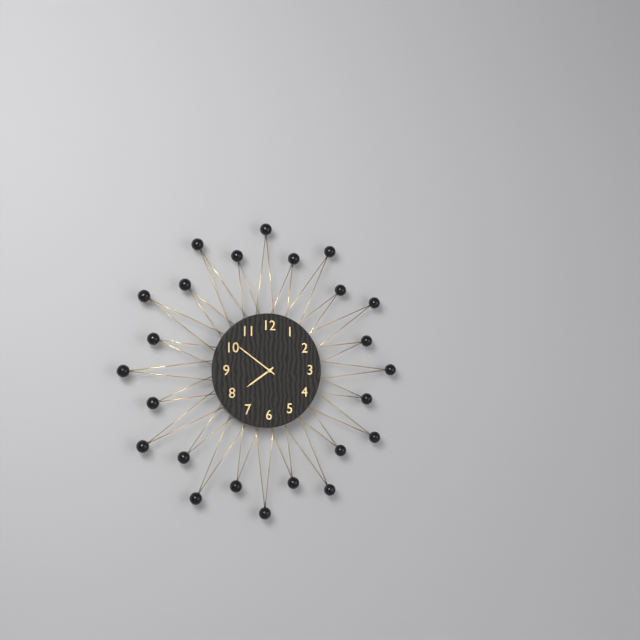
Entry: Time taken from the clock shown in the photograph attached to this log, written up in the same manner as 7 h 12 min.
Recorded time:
7 h 51 min
